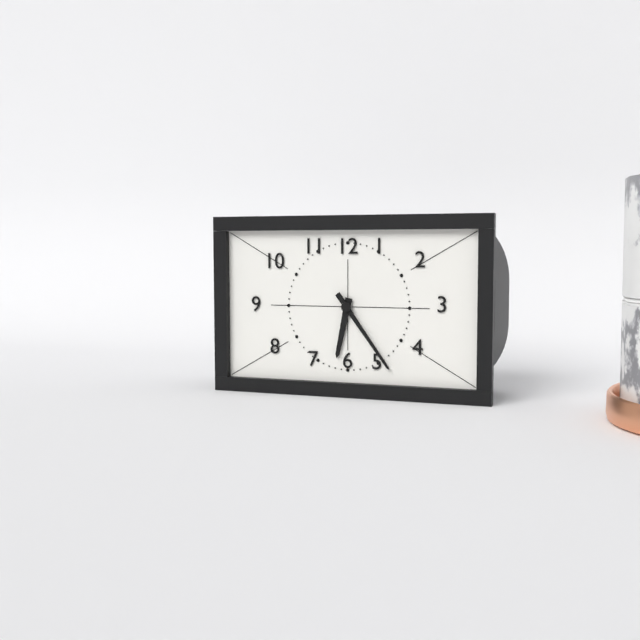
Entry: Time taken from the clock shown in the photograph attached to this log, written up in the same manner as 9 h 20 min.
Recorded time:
6 h 24 min
